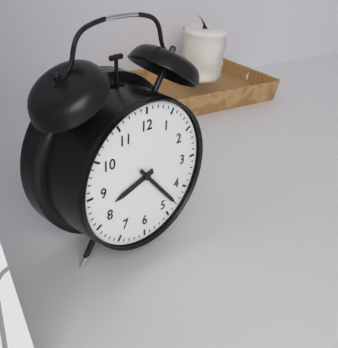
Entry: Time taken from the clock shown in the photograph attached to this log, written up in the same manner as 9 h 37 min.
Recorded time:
8 h 23 min
